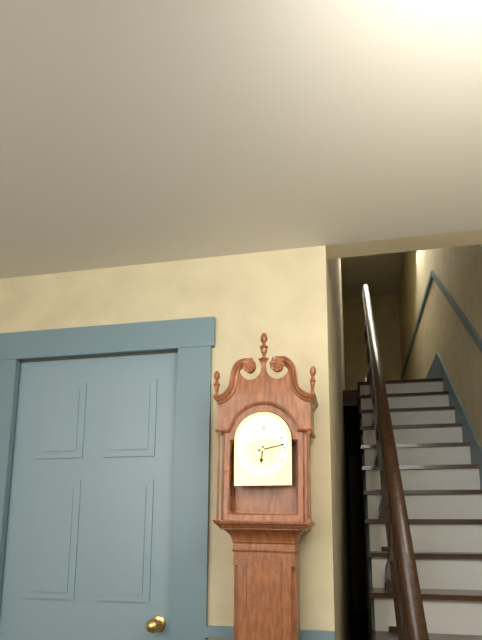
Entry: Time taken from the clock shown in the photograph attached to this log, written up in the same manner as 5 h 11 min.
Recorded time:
6 h 13 min
